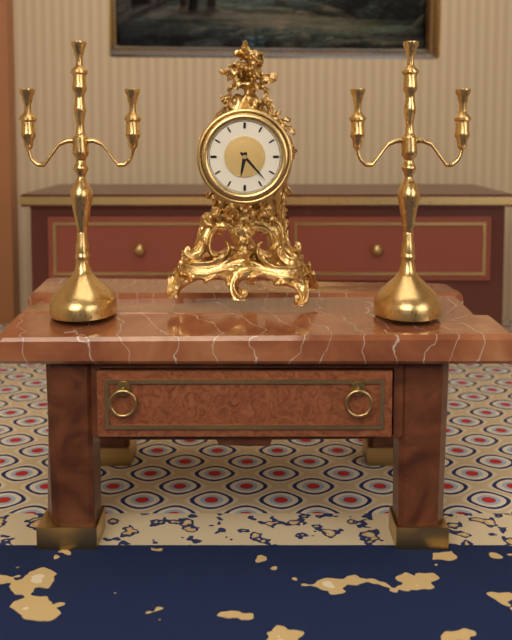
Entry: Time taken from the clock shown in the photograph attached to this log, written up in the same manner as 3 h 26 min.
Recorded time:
6 h 23 min
